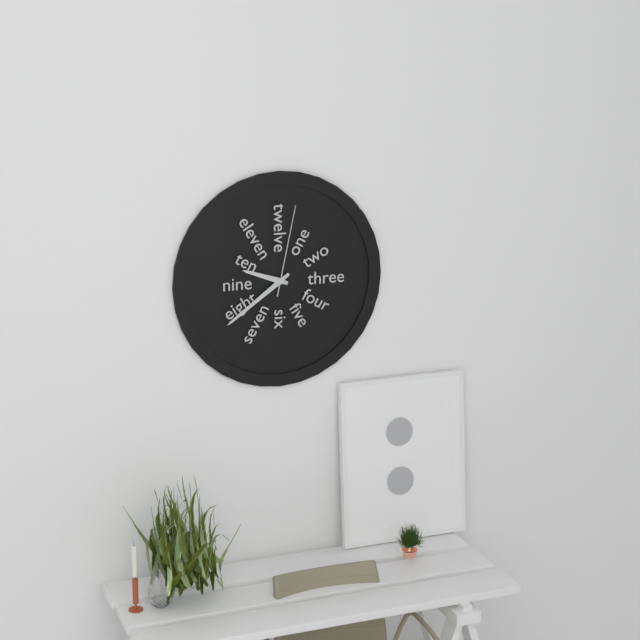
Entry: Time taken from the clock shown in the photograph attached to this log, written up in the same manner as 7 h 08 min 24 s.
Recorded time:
9 h 39 min 02 s
